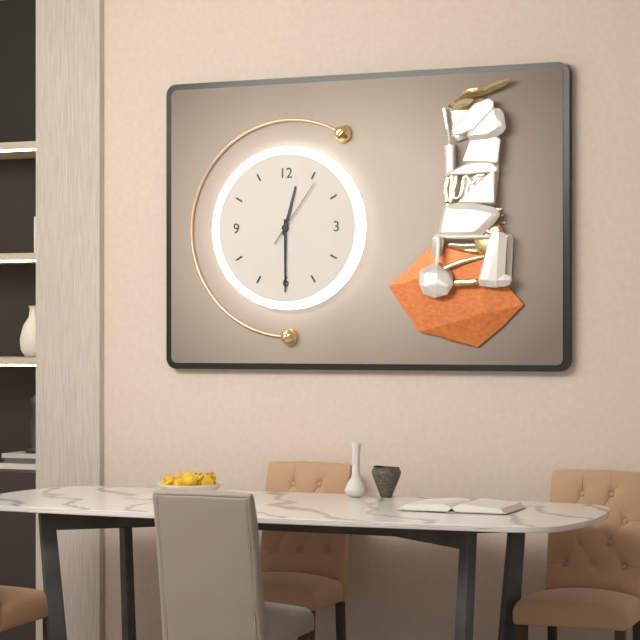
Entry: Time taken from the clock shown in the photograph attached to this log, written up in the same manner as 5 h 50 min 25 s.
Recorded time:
12 h 30 min 06 s
